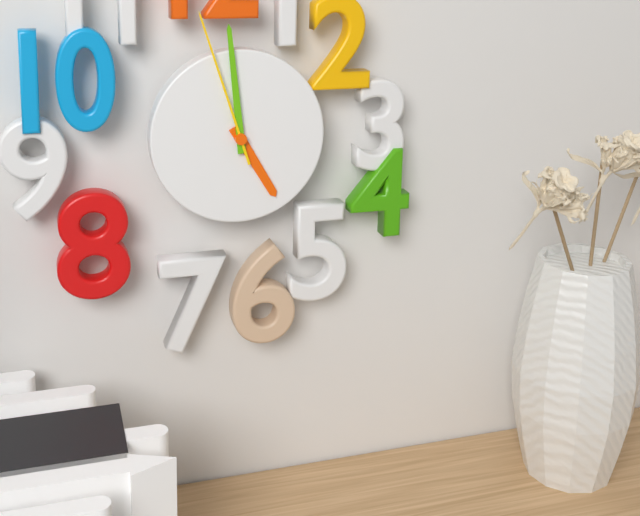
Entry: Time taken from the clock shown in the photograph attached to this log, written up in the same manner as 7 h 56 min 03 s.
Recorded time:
4 h 59 min 57 s
